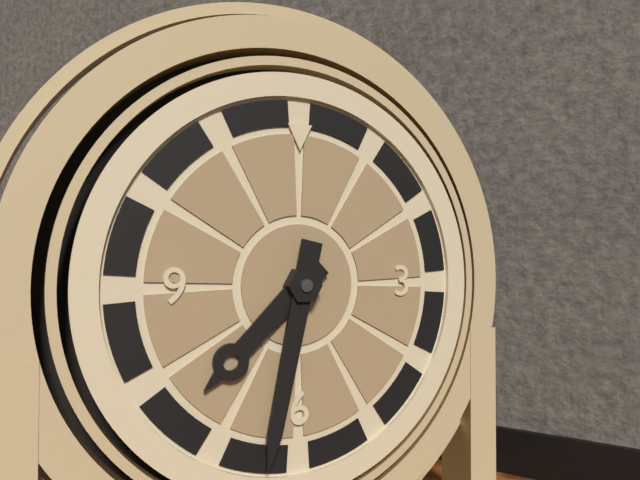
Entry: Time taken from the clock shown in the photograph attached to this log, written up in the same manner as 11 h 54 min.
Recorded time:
7 h 32 min
